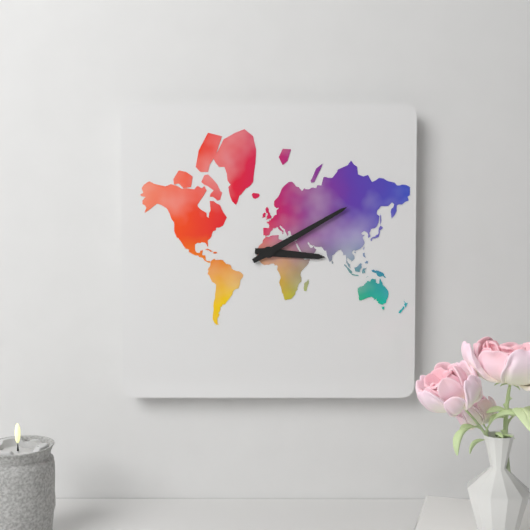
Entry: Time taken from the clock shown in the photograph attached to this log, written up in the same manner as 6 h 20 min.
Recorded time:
3 h 10 min
